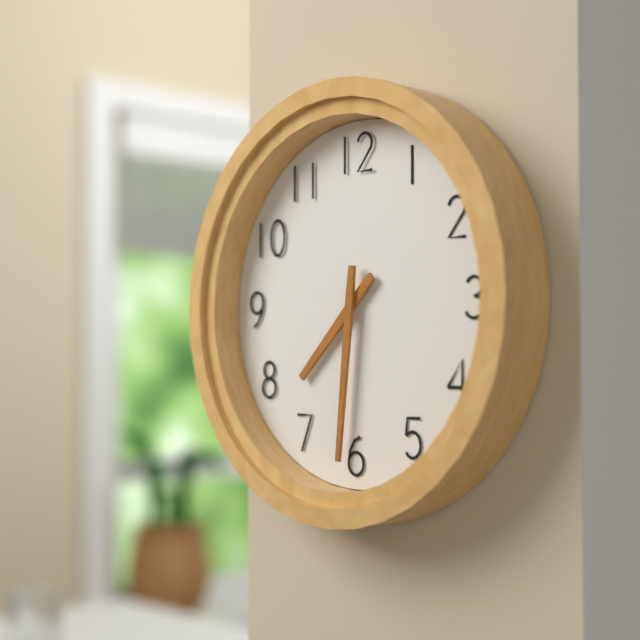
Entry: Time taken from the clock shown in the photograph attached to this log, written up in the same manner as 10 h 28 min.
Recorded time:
7 h 31 min
